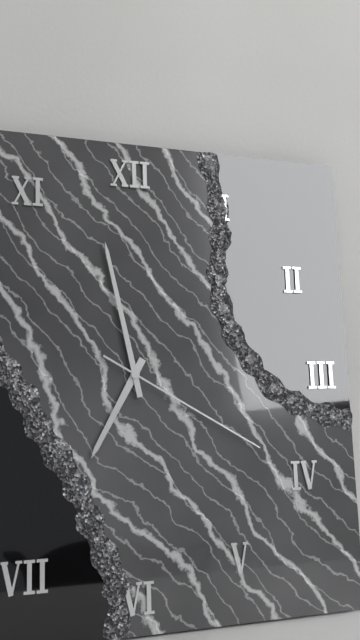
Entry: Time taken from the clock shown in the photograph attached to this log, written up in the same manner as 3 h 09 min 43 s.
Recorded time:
6 h 58 min 20 s
